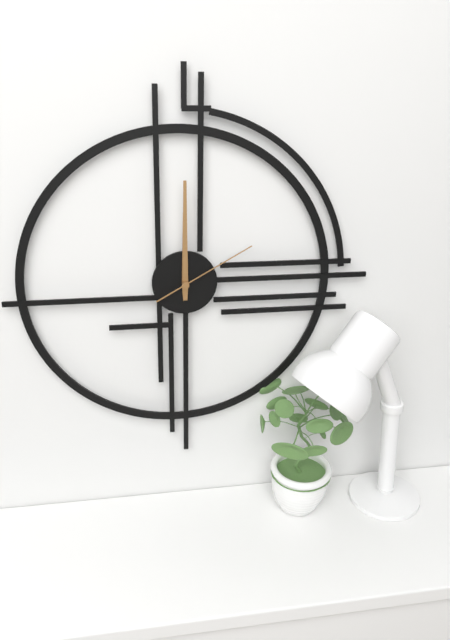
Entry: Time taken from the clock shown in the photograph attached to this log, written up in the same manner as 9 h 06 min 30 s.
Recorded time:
12 h 00 min 10 s
